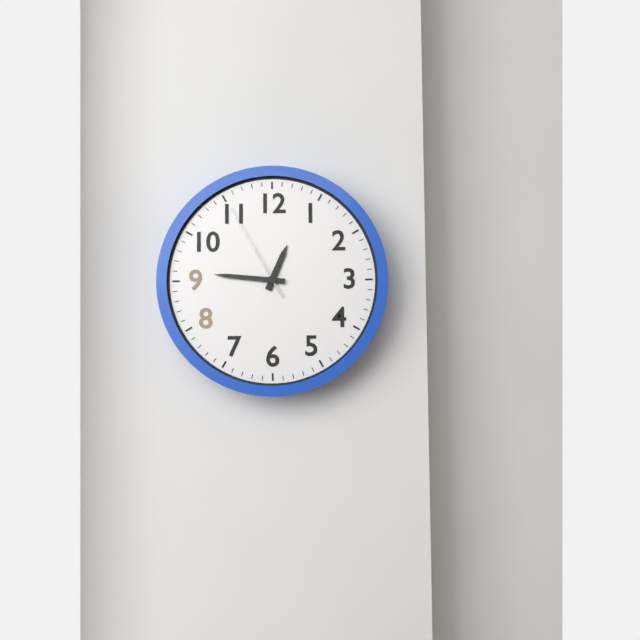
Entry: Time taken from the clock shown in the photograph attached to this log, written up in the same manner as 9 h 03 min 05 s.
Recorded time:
12 h 46 min 55 s
